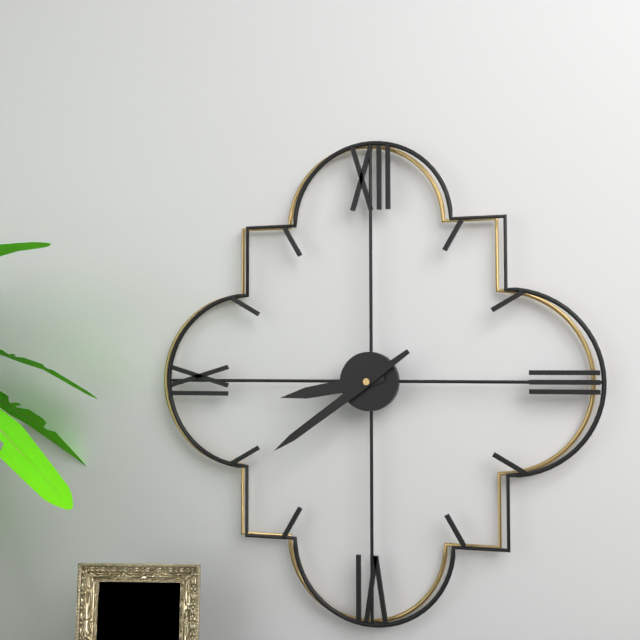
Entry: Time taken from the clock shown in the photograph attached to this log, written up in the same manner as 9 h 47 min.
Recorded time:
8 h 39 min
